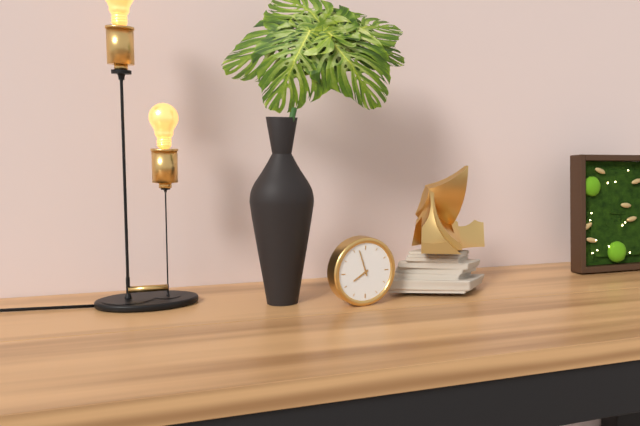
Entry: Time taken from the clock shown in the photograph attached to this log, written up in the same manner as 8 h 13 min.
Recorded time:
7 h 57 min
